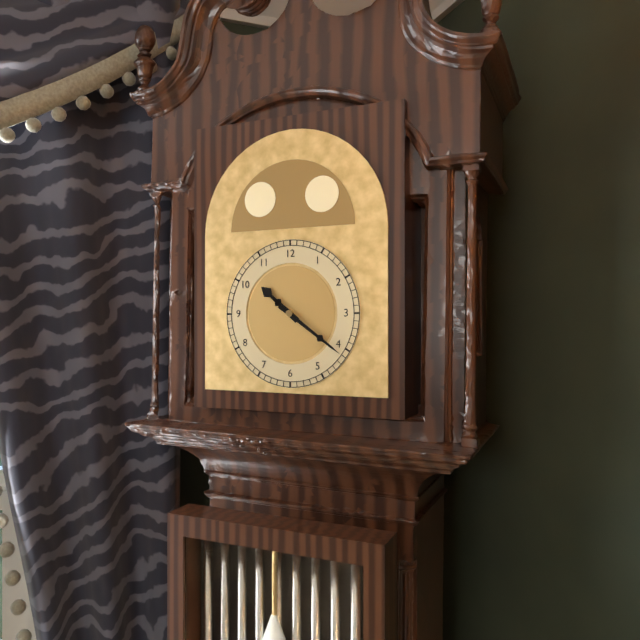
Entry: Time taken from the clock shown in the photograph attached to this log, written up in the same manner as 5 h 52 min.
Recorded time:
10 h 21 min
